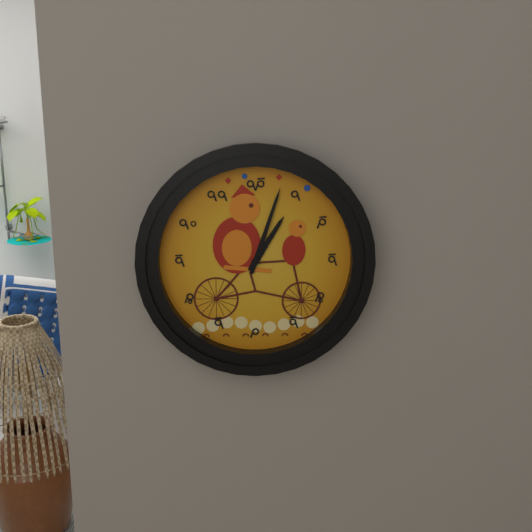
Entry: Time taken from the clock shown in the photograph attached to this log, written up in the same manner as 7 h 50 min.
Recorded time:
1 h 03 min
